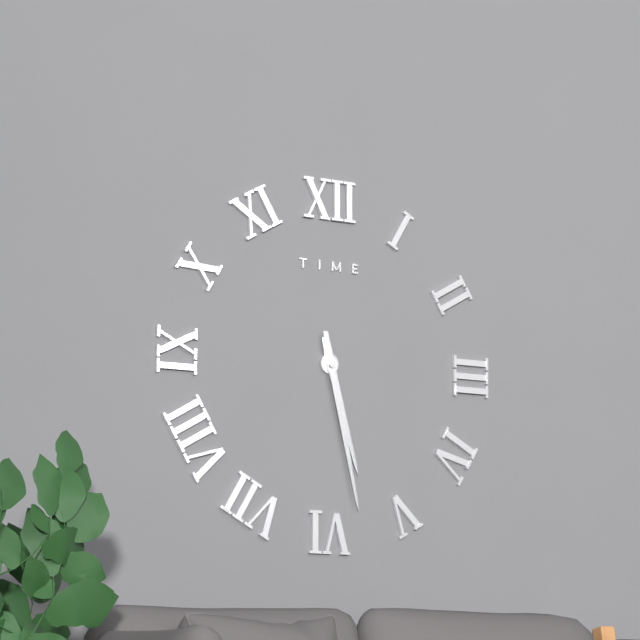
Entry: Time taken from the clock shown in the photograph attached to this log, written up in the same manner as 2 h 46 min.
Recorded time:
5 h 28 min
